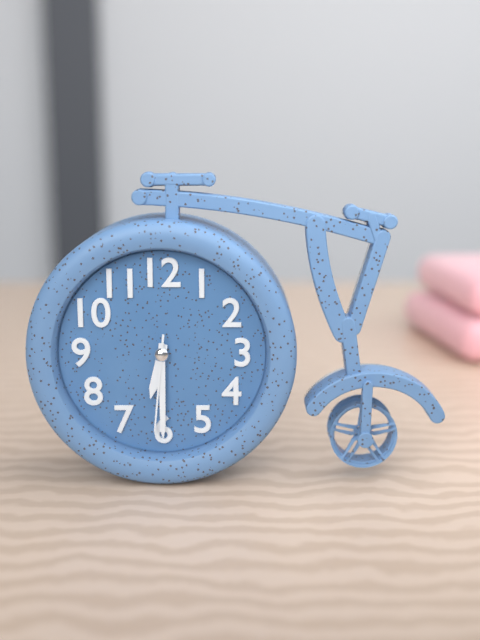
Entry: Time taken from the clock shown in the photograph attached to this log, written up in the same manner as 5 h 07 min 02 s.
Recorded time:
6 h 30 min 31 s
